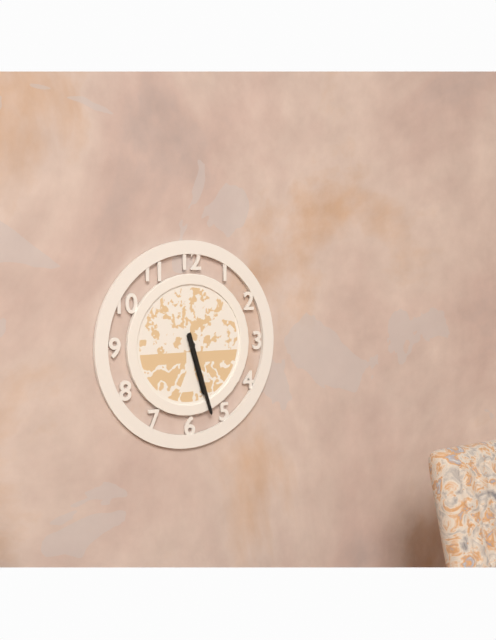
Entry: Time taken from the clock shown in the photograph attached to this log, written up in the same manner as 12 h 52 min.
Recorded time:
5 h 27 min
